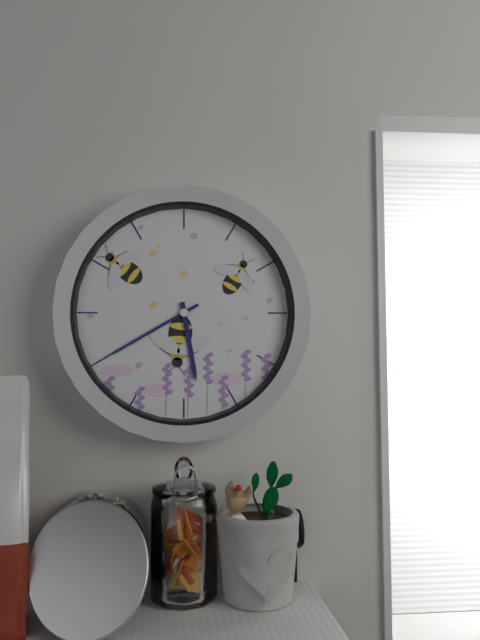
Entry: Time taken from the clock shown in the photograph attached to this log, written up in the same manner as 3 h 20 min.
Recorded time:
5 h 40 min
